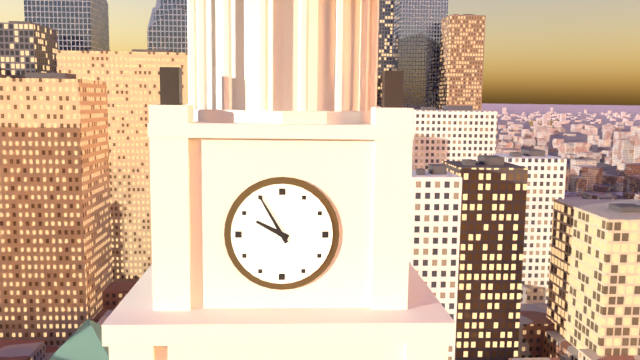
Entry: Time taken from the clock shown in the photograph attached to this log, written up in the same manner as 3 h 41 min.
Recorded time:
9 h 55 min
